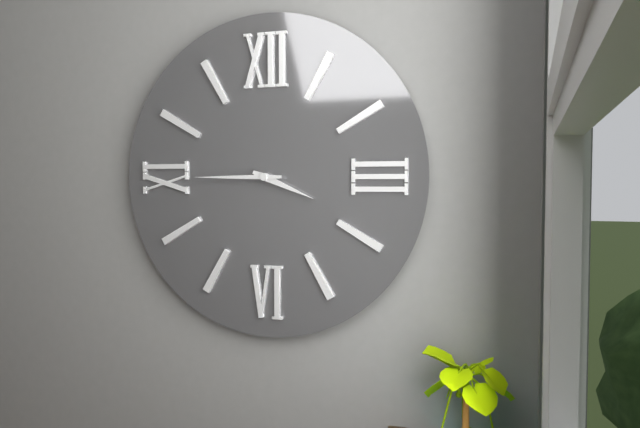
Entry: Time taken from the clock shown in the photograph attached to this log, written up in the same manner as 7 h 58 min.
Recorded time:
3 h 45 min
